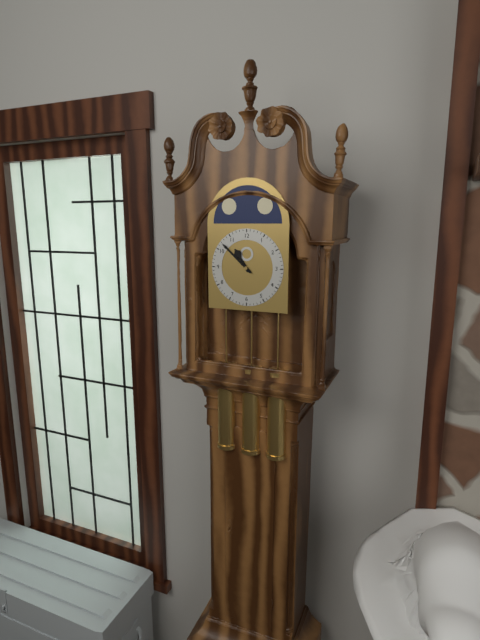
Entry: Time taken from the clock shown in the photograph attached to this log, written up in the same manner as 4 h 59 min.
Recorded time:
10 h 52 min
